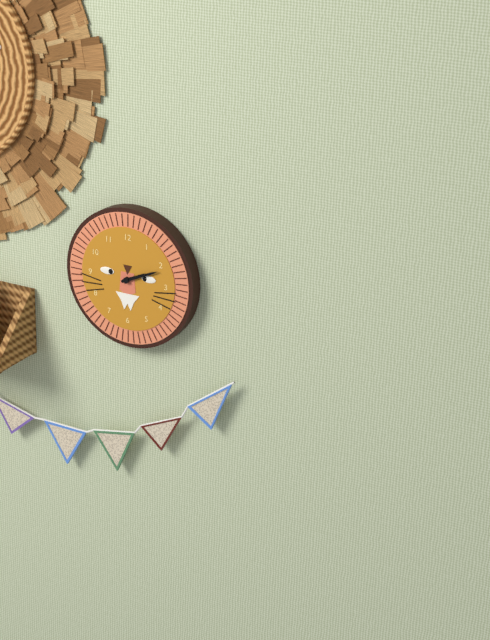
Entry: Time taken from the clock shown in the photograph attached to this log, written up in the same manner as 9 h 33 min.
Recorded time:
2 h 11 min
